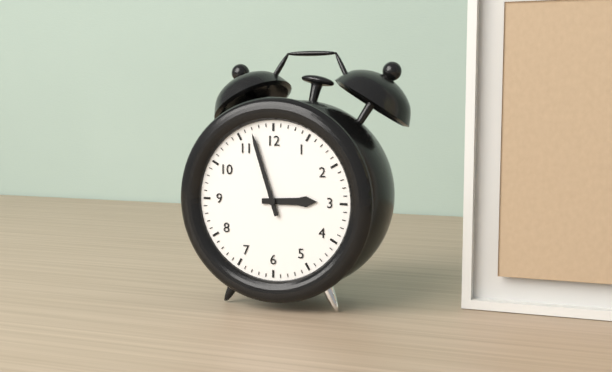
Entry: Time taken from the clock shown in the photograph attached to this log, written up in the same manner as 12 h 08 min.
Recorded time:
2 h 57 min
